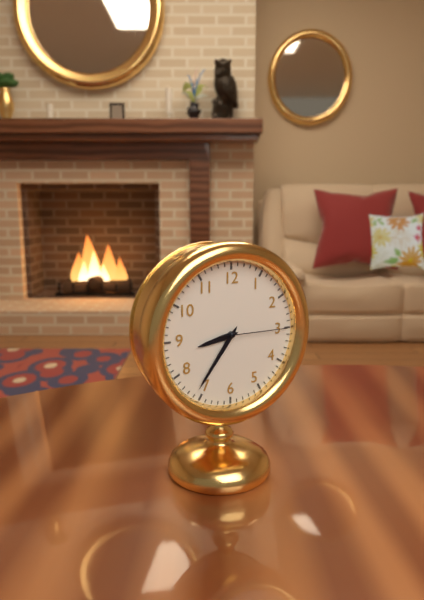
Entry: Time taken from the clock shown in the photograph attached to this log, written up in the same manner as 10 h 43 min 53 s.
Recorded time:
8 h 36 min 15 s
